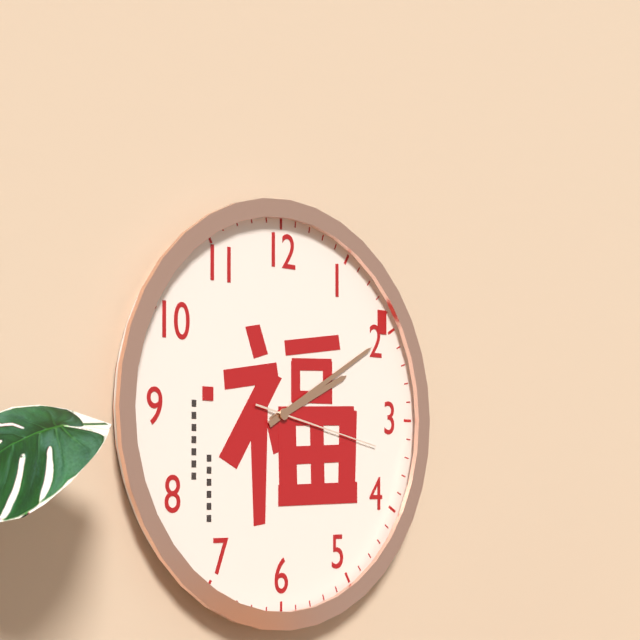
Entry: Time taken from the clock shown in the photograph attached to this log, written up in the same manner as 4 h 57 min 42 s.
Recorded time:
2 h 10 min 17 s
